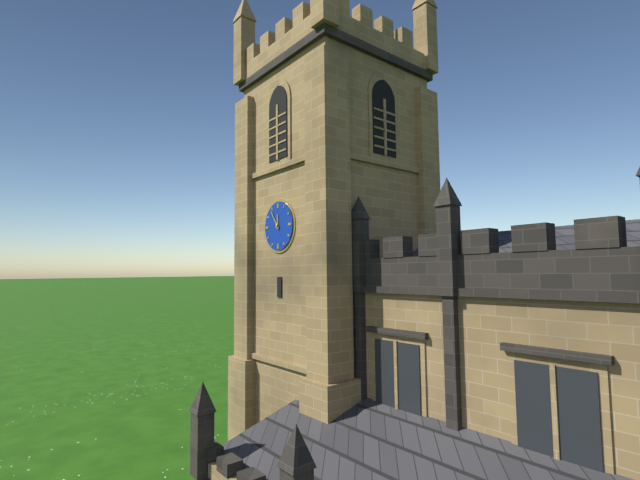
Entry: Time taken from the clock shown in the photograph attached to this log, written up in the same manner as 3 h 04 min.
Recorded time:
11 h 54 min
